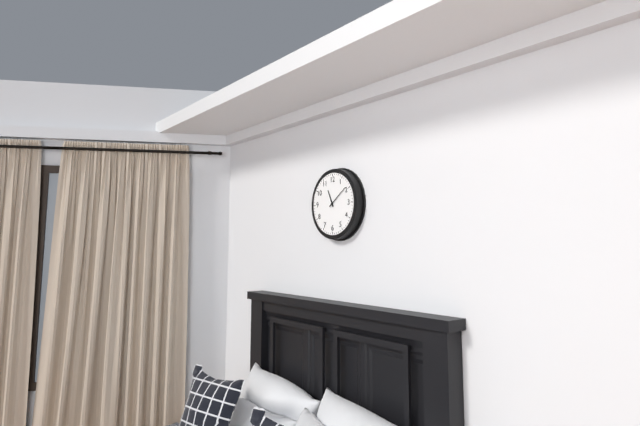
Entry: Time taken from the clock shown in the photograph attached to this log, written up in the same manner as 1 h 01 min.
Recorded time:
11 h 09 min
